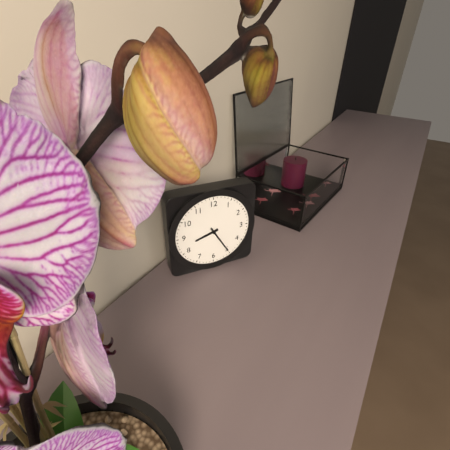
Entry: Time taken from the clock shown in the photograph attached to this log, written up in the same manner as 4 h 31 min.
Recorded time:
8 h 25 min
